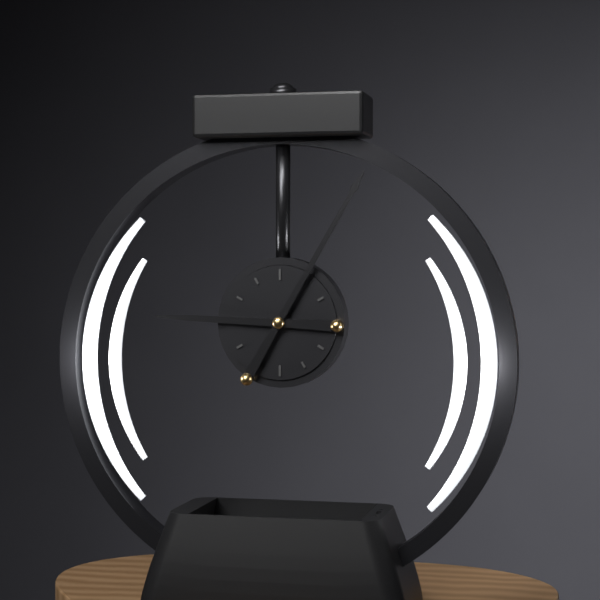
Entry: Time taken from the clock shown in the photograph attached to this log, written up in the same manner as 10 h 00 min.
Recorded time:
9 h 05 min
